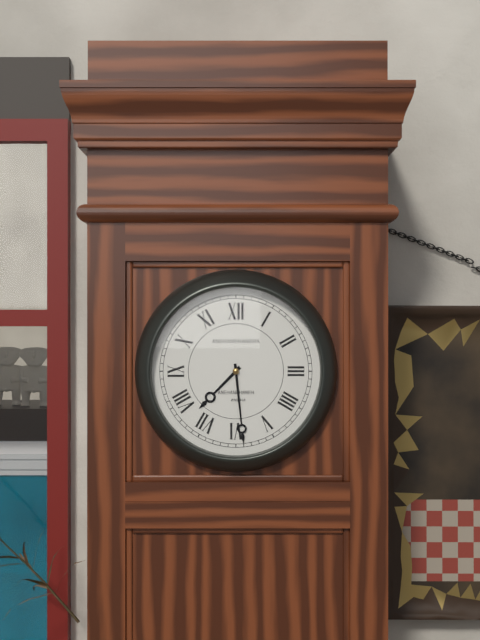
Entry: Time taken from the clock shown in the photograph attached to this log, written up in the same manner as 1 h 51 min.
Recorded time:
7 h 29 min
